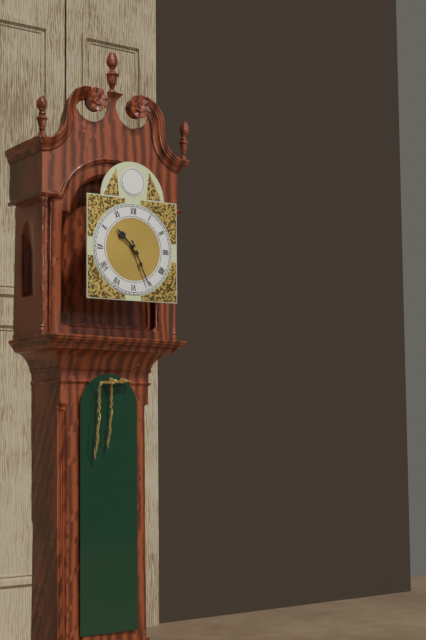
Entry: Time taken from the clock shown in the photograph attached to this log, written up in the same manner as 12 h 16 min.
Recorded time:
10 h 26 min
